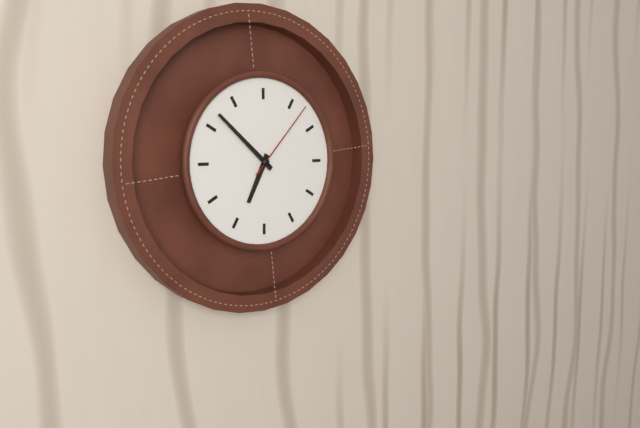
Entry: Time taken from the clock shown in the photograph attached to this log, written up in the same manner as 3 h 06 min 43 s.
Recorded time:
6 h 52 min 07 s
